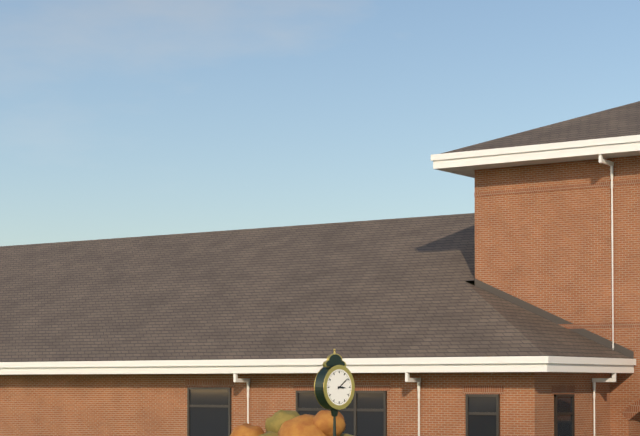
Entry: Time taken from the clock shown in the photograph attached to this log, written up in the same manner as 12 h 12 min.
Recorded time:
3 h 09 min
